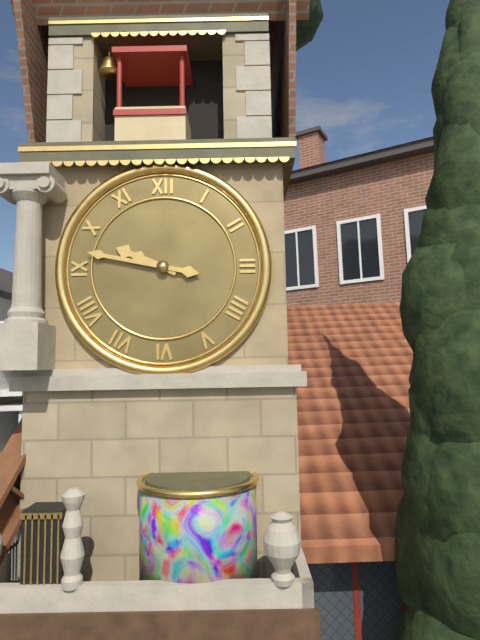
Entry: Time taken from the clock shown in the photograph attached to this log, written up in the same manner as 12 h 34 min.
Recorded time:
9 h 47 min
